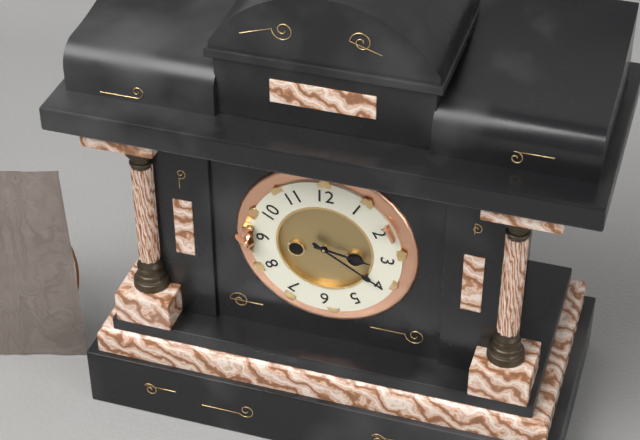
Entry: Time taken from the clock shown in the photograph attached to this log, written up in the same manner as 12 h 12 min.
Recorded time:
3 h 20 min
